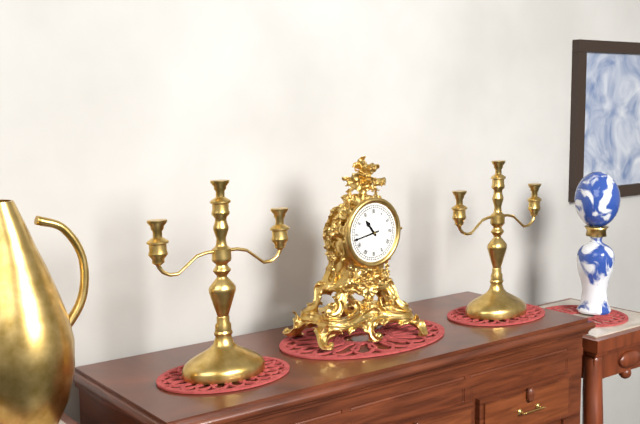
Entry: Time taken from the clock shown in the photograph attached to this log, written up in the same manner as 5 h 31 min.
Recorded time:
10 h 43 min
